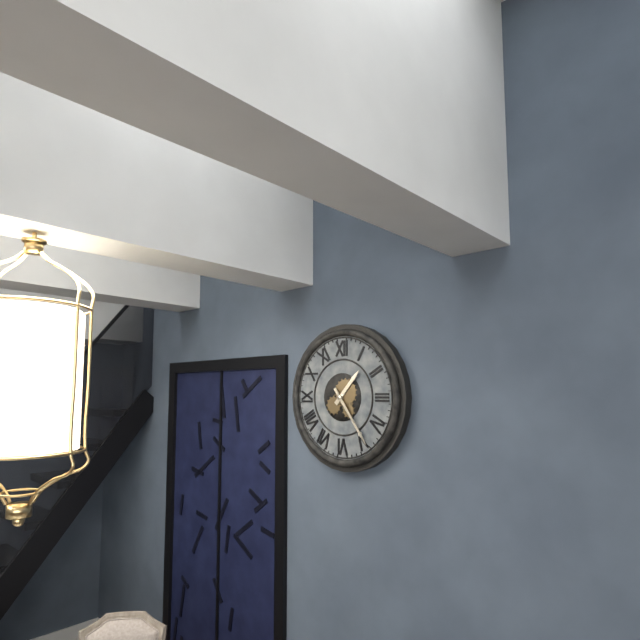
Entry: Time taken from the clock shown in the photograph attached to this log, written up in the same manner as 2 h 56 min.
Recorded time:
1 h 24 min
